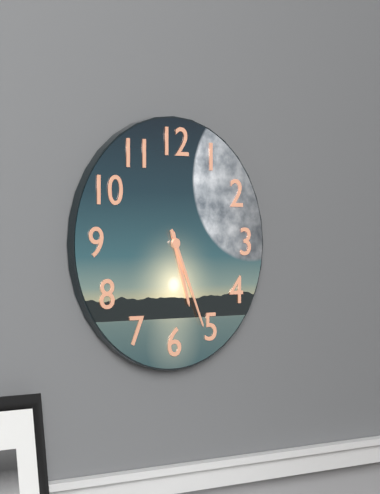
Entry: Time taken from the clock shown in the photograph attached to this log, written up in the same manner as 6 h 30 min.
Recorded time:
5 h 26 min
